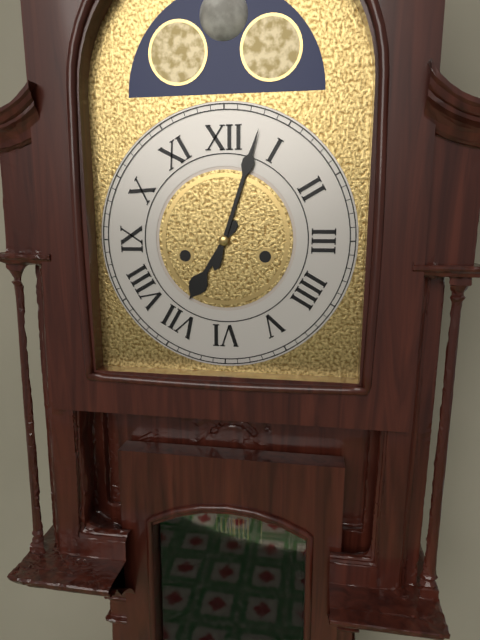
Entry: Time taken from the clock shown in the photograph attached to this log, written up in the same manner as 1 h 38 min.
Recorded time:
7 h 03 min
